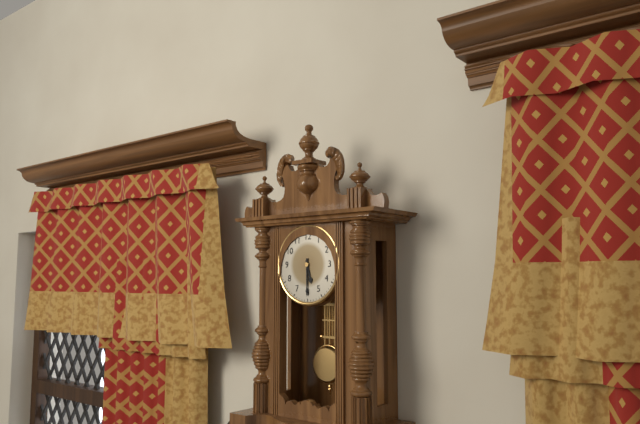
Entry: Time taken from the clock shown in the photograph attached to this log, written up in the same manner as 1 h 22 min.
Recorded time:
5 h 30 min
